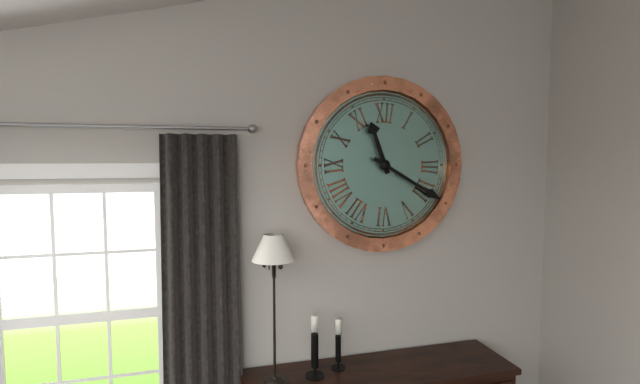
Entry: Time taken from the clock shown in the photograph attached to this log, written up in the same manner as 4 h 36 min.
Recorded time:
11 h 20 min
